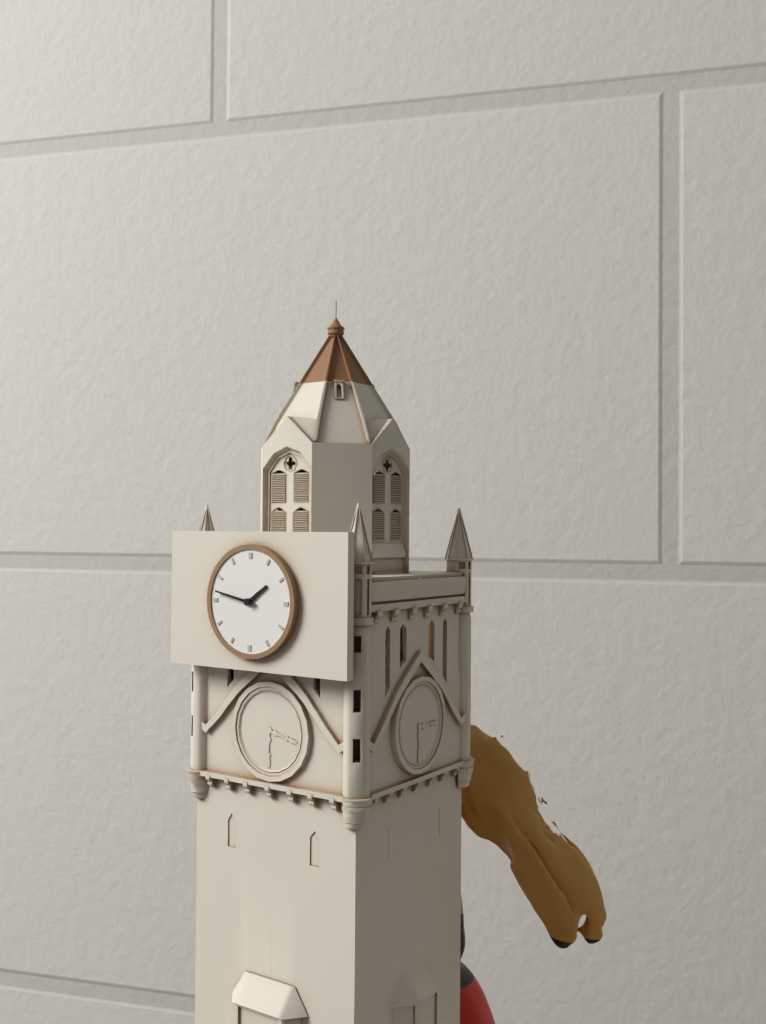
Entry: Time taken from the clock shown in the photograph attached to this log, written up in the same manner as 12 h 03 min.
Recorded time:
1 h 47 min
